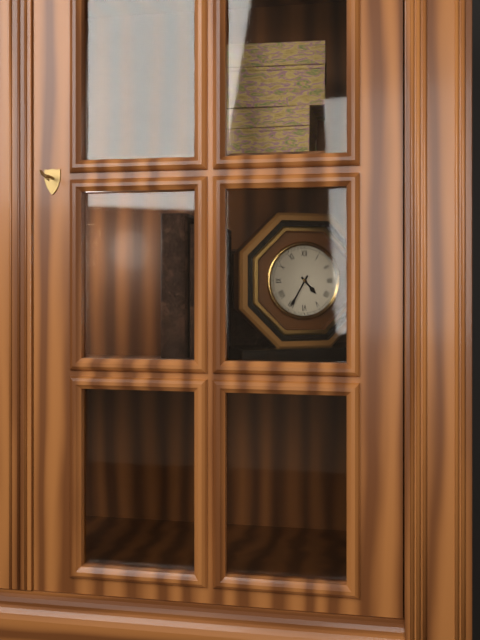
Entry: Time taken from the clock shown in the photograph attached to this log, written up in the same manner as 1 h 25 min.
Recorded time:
4 h 35 min
